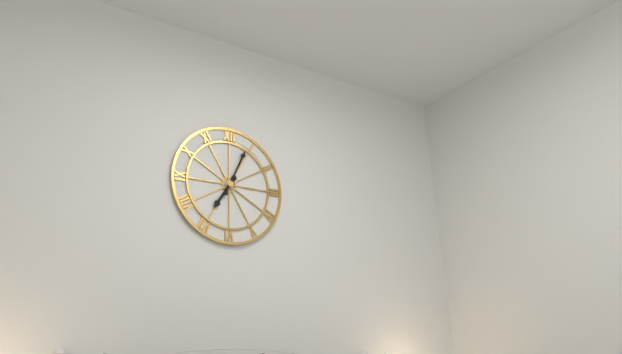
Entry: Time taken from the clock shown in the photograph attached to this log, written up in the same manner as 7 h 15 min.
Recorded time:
7 h 04 min
